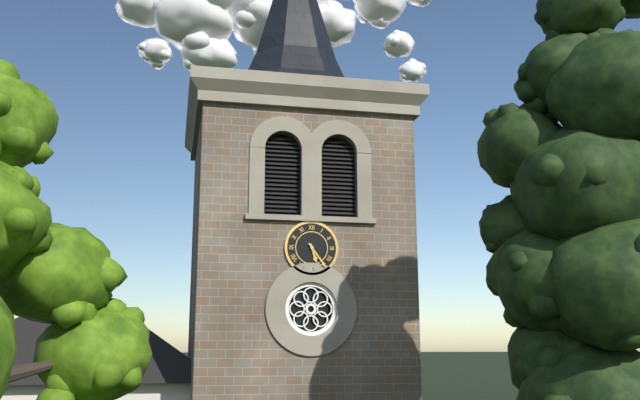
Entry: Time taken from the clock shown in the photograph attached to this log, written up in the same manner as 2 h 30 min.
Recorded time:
5 h 24 min
